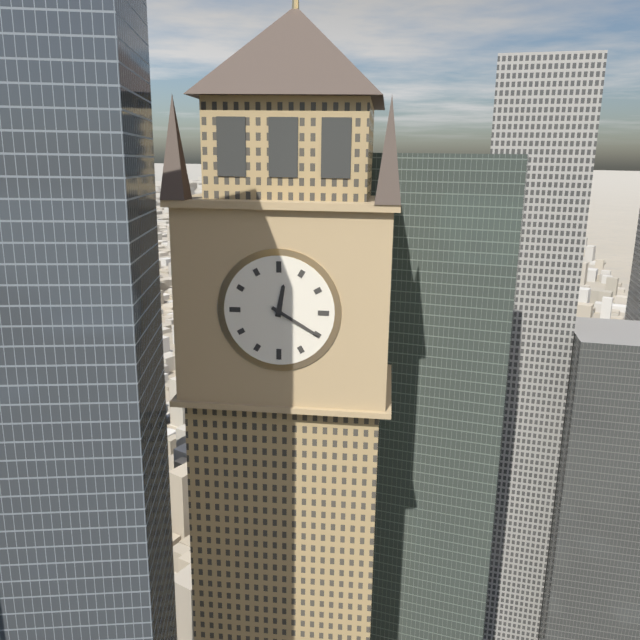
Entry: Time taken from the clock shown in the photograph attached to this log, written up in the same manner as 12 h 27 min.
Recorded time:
12 h 20 min
